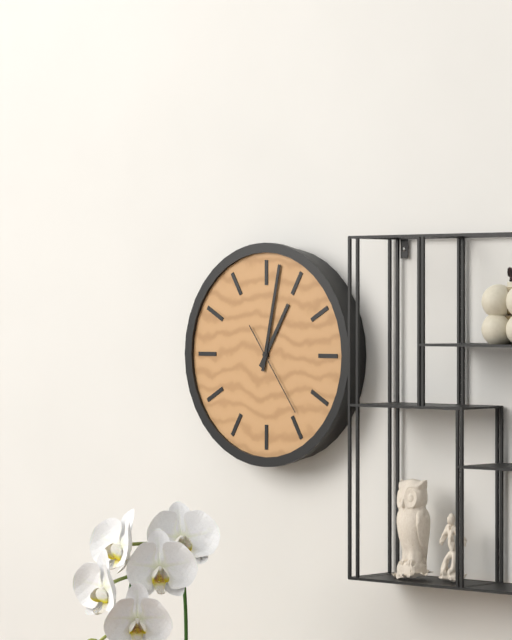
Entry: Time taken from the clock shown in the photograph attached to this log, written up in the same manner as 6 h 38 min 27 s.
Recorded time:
1 h 02 min 24 s
